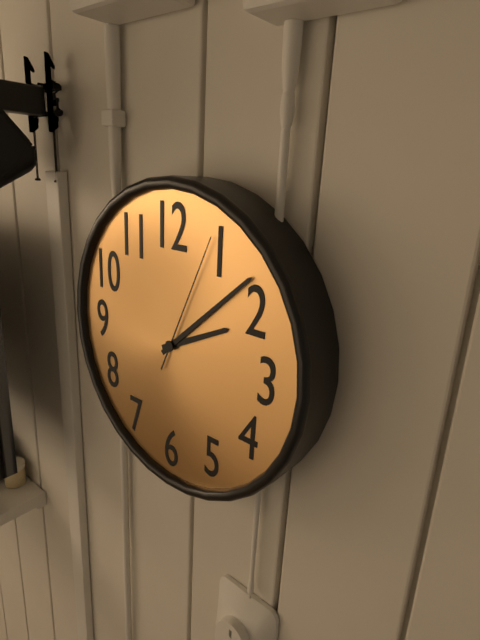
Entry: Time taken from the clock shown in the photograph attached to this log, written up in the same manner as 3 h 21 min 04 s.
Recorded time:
2 h 08 min 04 s
